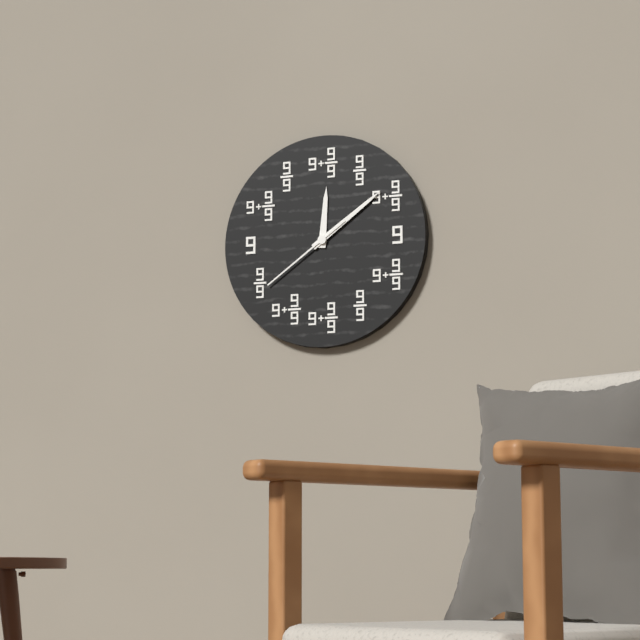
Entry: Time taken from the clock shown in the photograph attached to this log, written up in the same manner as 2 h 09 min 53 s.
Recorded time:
12 h 09 min 39 s
